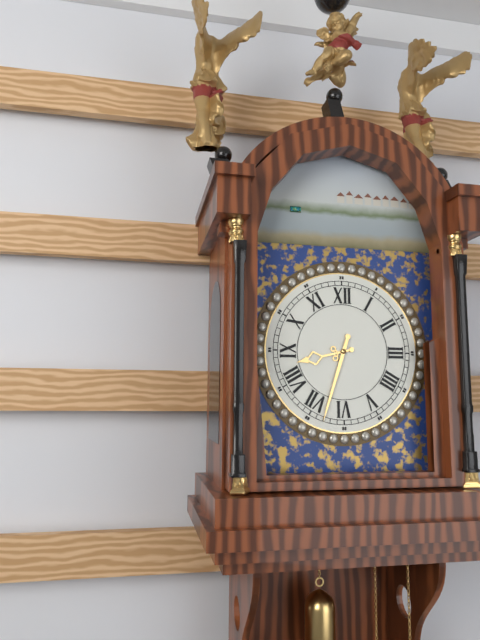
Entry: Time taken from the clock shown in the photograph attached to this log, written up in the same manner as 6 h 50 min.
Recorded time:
8 h 33 min
